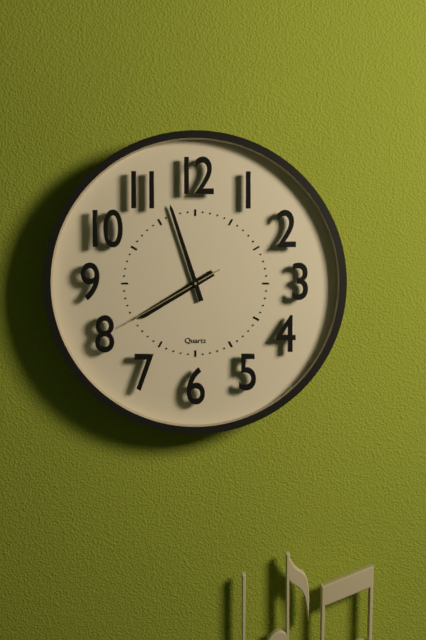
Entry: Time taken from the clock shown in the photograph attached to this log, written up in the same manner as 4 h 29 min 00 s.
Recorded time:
7 h 57 min 40 s
